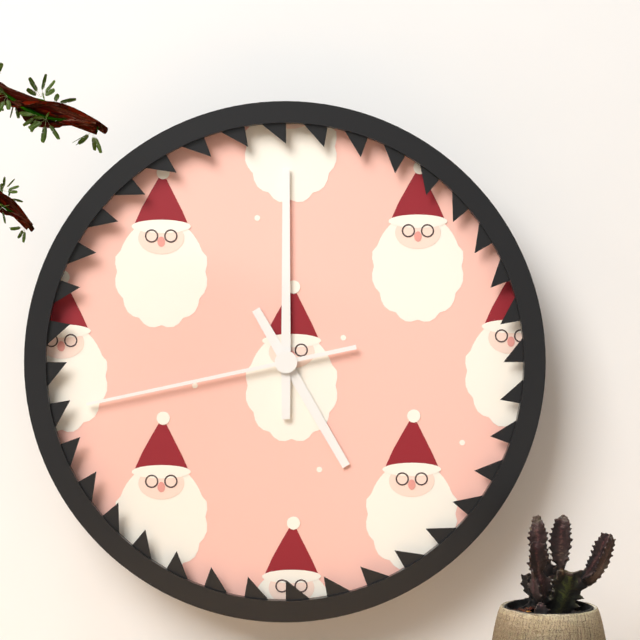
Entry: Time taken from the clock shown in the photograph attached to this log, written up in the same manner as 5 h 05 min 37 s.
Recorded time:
5 h 00 min 43 s
